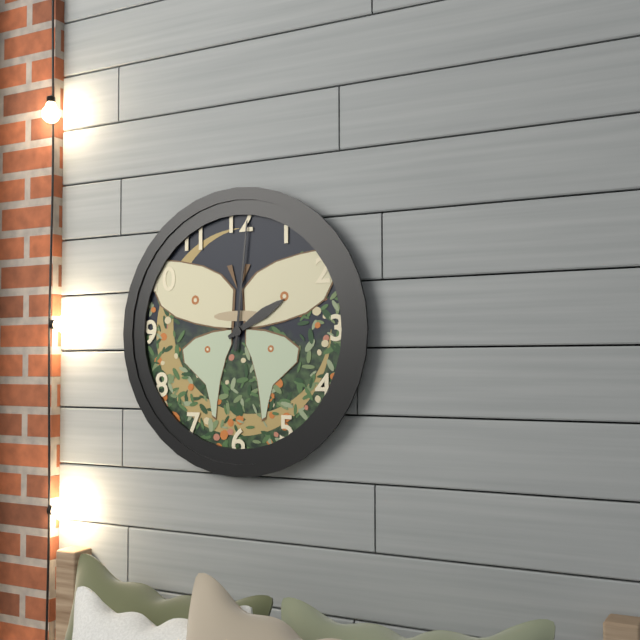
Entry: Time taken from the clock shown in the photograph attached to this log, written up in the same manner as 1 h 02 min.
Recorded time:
2 h 01 min
